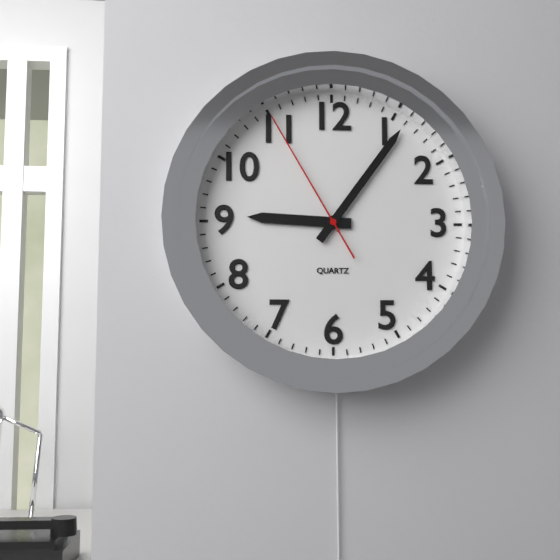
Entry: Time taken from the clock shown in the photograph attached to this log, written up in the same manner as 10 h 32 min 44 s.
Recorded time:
9 h 06 min 55 s
